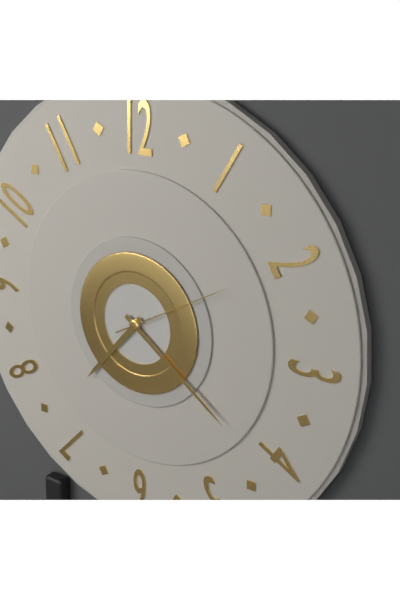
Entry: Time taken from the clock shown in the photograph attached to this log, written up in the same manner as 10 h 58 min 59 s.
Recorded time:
7 h 21 min 10 s
